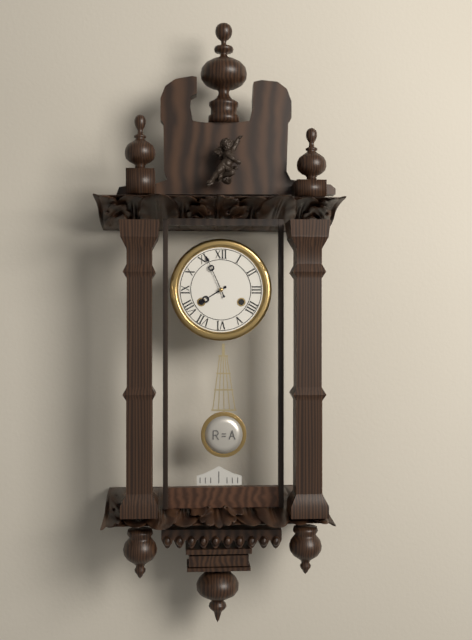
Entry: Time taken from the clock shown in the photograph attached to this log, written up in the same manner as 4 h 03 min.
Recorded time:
7 h 56 min
